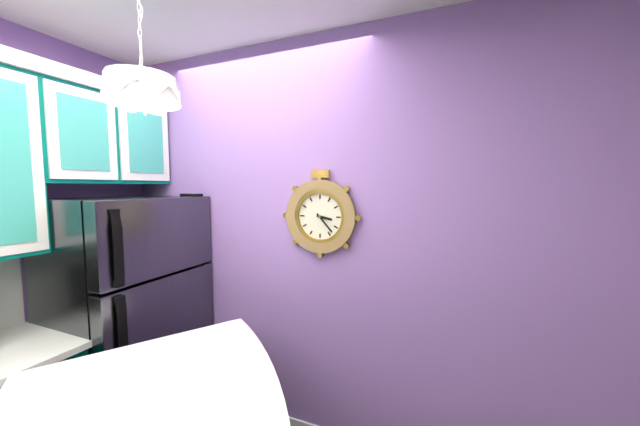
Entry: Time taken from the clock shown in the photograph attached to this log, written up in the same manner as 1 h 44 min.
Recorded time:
3 h 23 min
